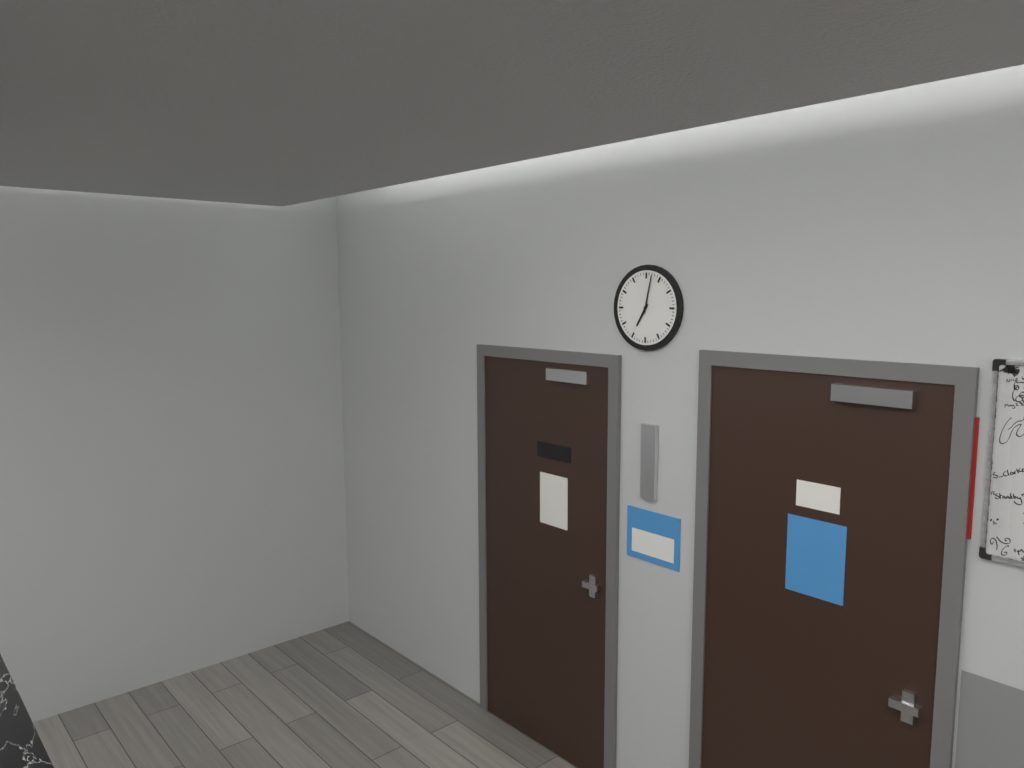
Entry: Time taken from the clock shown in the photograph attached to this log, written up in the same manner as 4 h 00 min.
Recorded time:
7 h 02 min
